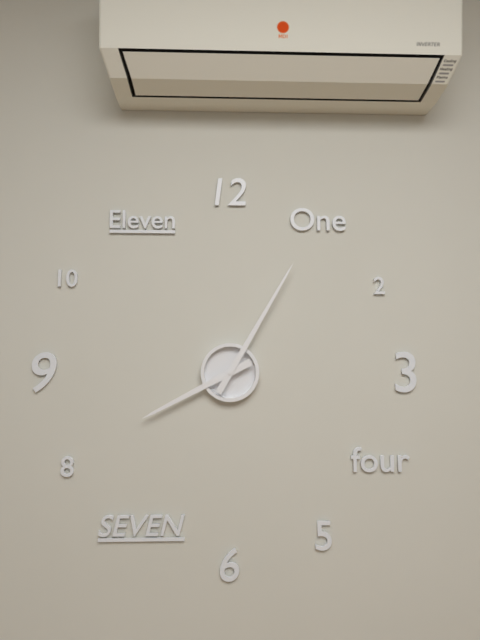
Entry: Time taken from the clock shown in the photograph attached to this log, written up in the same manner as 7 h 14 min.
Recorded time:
8 h 05 min
